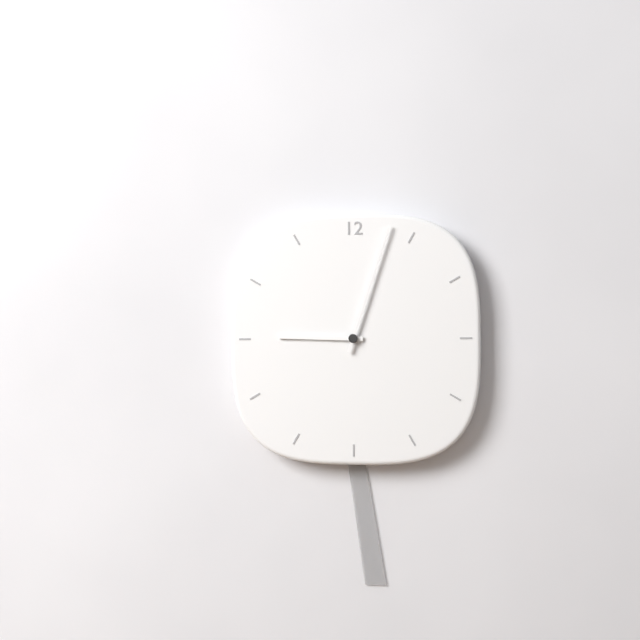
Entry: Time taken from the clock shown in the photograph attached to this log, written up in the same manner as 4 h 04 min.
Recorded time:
9 h 03 min
